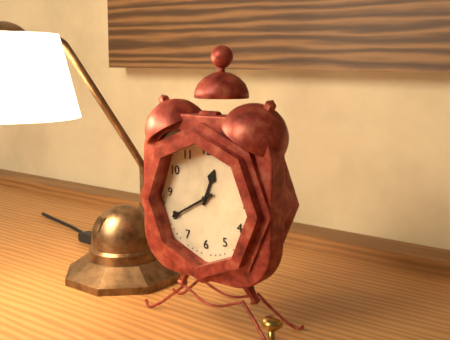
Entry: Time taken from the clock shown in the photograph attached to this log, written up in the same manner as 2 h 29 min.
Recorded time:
12 h 40 min
